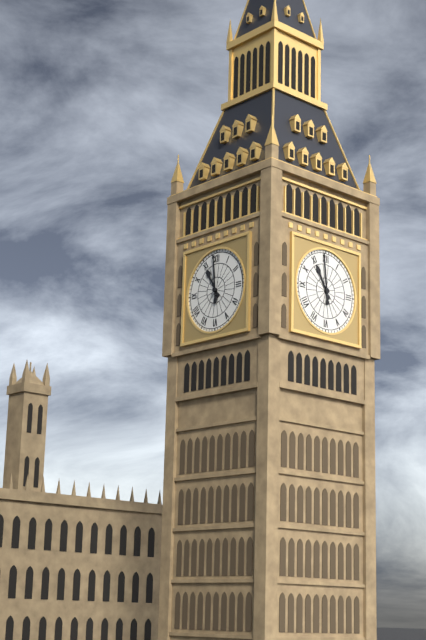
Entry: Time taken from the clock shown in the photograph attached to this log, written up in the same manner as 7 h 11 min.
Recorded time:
10 h 59 min
